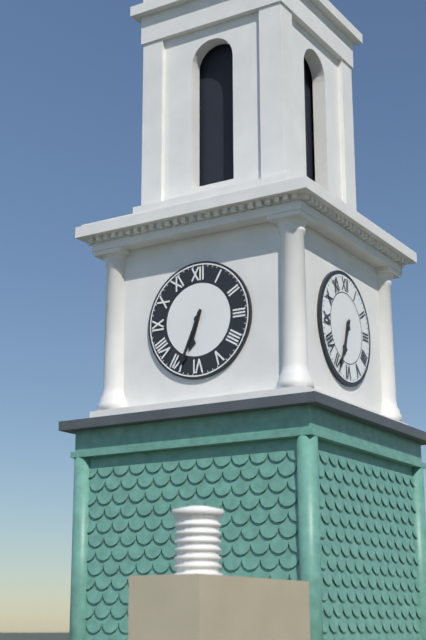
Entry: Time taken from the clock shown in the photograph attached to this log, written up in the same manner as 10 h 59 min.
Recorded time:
6 h 34 min
